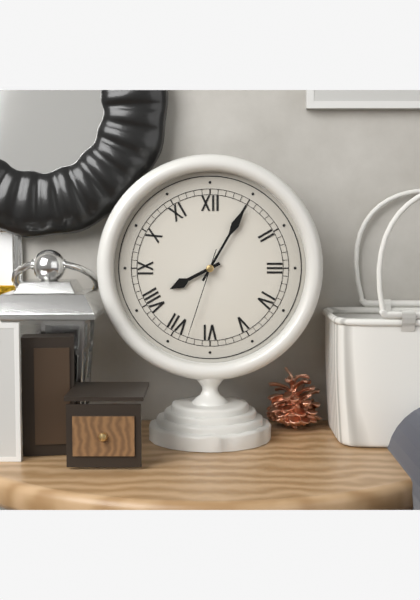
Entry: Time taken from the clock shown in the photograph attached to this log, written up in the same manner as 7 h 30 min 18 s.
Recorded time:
8 h 05 min 33 s
